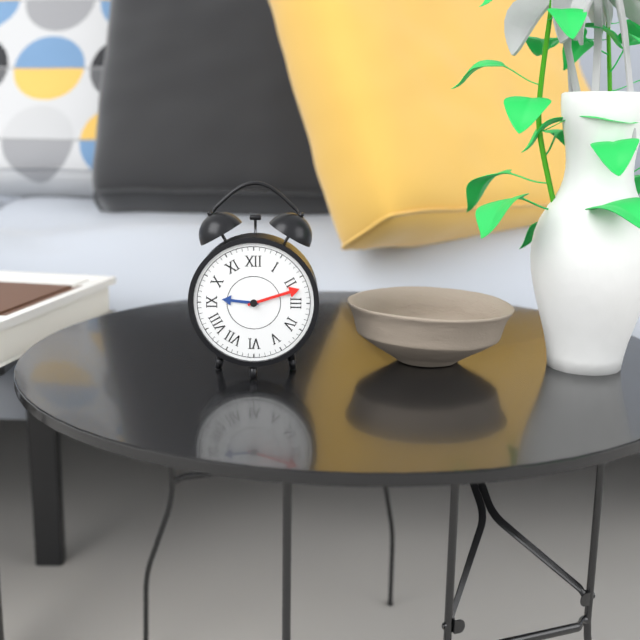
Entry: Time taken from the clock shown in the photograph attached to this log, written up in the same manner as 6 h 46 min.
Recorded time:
9 h 12 min
